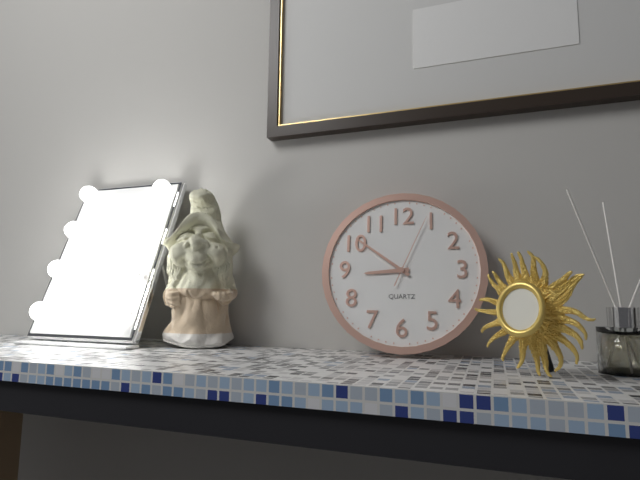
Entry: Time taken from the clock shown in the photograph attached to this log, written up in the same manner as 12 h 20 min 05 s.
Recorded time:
8 h 51 min 04 s
